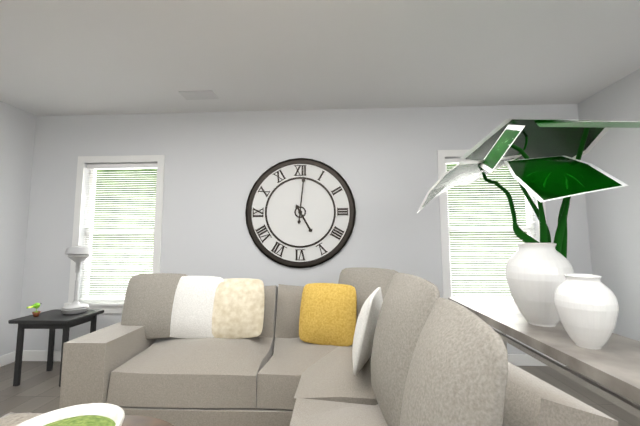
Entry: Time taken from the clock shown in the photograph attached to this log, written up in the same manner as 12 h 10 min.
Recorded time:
5 h 01 min
